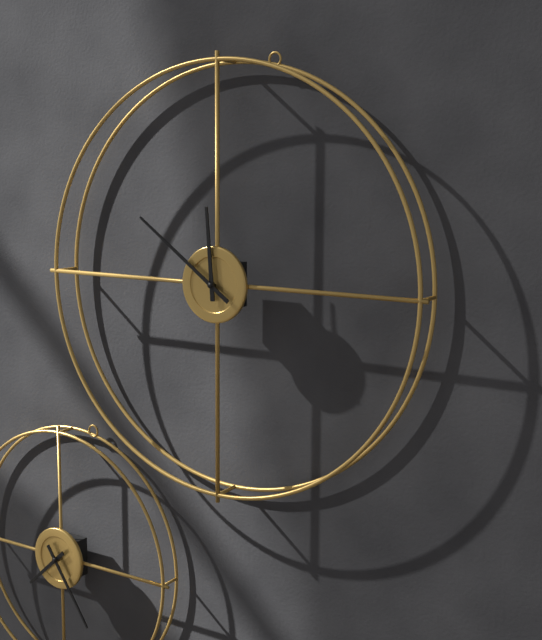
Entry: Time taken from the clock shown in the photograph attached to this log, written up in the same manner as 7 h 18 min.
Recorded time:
11 h 51 min
